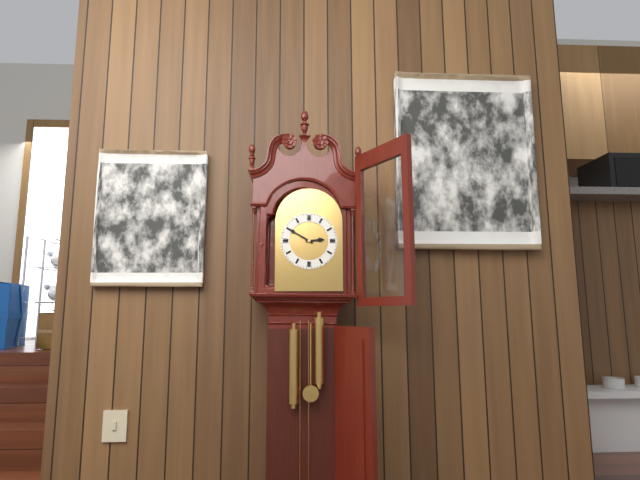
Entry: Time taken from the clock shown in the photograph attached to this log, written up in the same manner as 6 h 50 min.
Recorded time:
2 h 50 min
